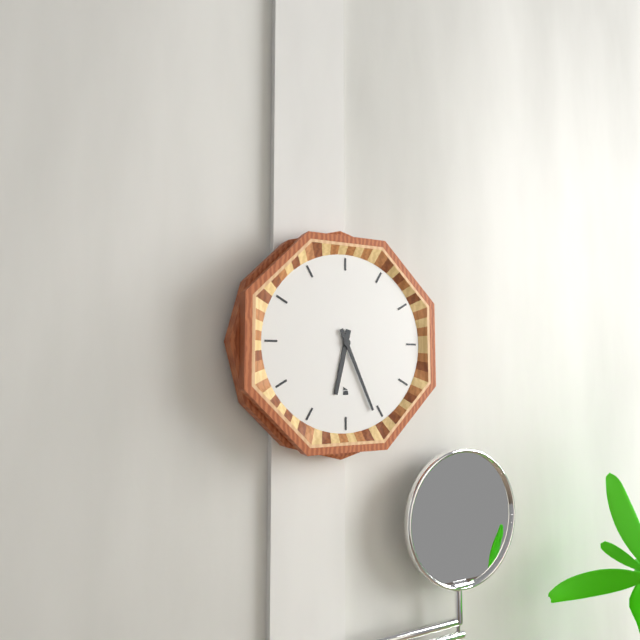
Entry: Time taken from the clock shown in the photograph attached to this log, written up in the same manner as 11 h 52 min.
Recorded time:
6 h 26 min
